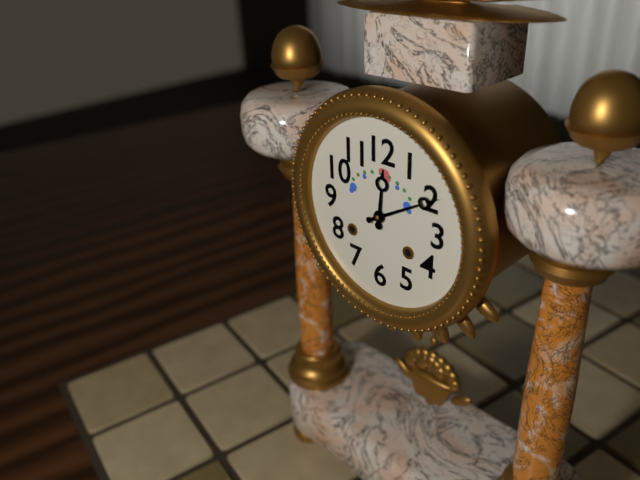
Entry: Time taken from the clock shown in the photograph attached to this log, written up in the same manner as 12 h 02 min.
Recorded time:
12 h 10 min
